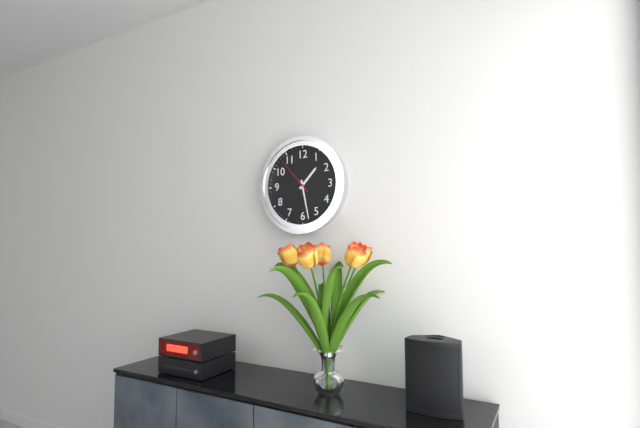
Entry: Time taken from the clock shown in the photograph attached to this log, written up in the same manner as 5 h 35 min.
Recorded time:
1 h 28 min
